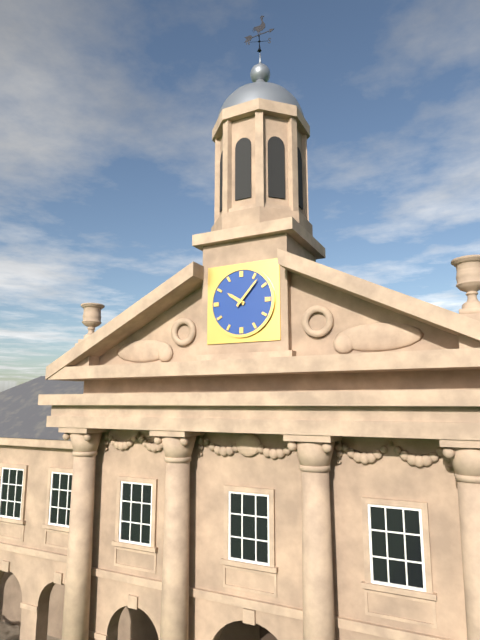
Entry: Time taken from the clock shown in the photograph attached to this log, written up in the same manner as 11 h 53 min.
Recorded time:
10 h 07 min
